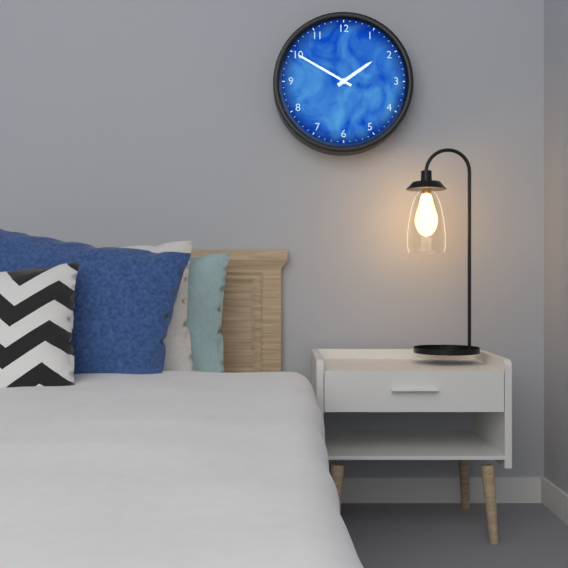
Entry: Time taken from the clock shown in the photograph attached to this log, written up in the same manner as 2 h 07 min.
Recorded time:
1 h 50 min
